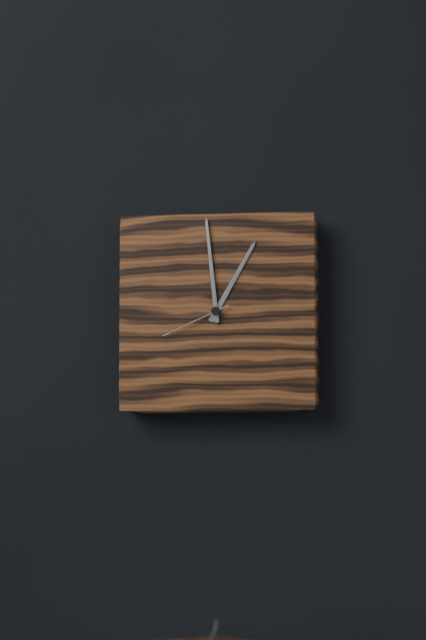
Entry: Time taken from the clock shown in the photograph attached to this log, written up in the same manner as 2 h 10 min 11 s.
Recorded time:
12 h 59 min 41 s
